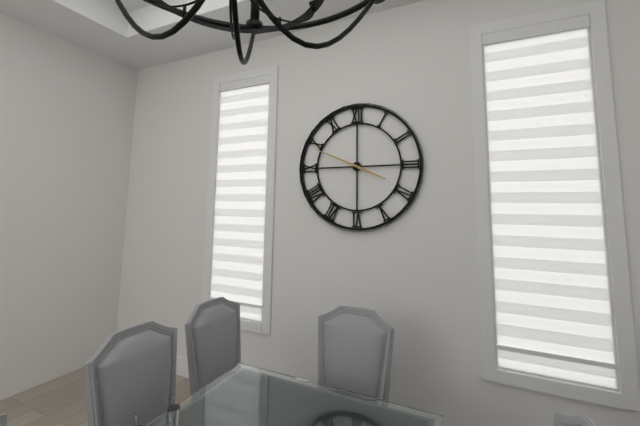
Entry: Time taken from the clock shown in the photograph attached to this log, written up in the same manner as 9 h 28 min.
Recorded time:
3 h 49 min
